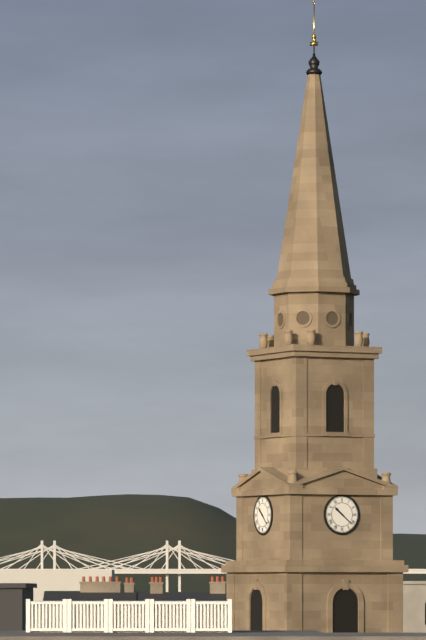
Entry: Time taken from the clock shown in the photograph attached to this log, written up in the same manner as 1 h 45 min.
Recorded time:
10 h 22 min
